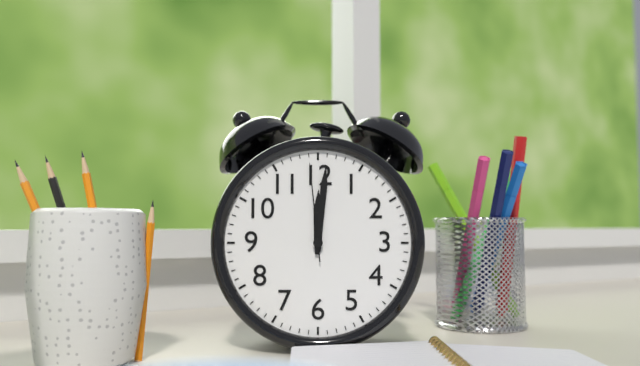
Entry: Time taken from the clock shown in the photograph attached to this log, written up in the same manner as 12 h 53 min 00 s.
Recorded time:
12 h 01 min 59 s
